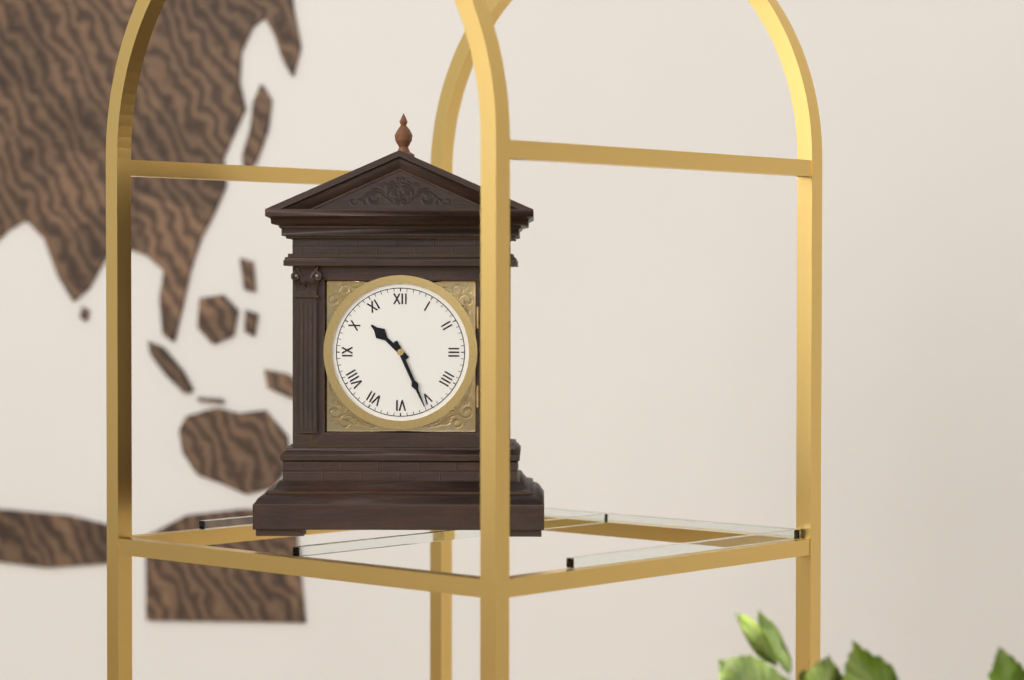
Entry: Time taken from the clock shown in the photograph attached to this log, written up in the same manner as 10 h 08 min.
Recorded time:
10 h 26 min
